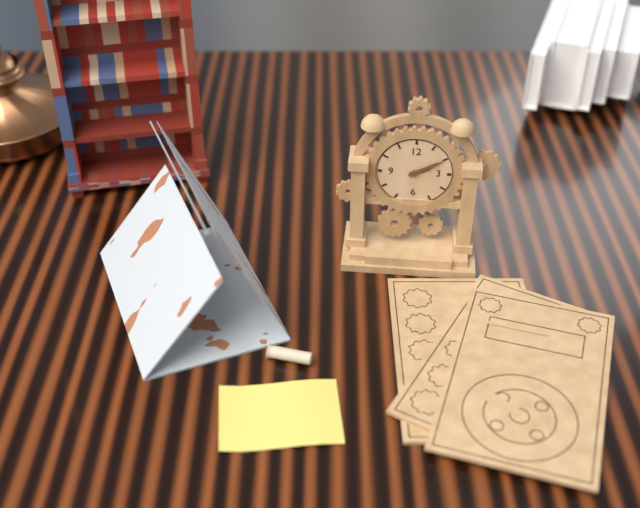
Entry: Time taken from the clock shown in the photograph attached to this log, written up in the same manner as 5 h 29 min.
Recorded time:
2 h 10 min
